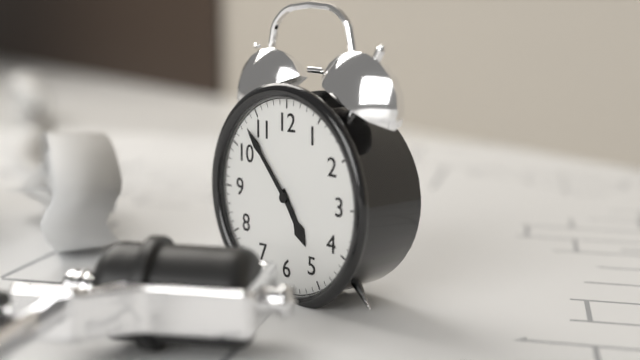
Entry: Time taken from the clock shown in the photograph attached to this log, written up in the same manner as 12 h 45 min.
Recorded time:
4 h 53 min
